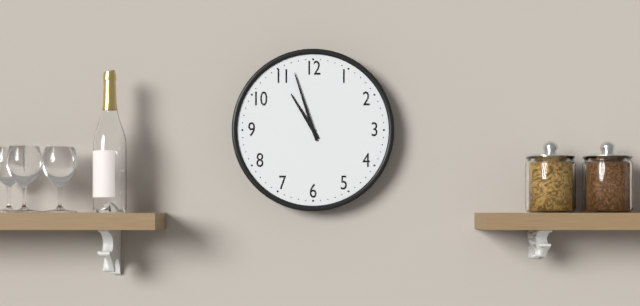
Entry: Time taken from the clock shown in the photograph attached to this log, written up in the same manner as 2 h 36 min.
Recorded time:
10 h 57 min
